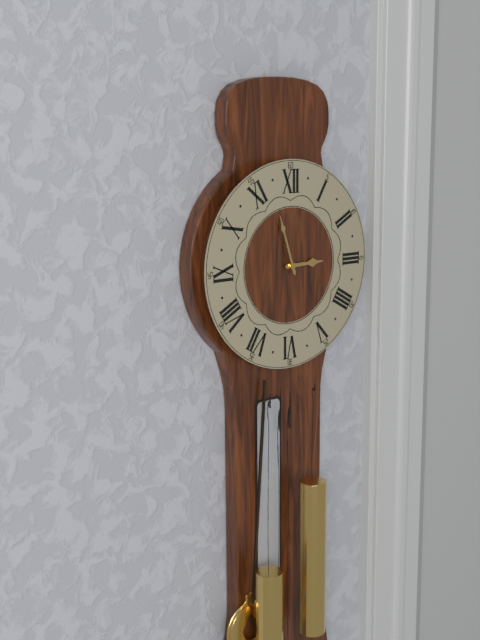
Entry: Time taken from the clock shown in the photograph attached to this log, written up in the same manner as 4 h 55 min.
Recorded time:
2 h 57 min
